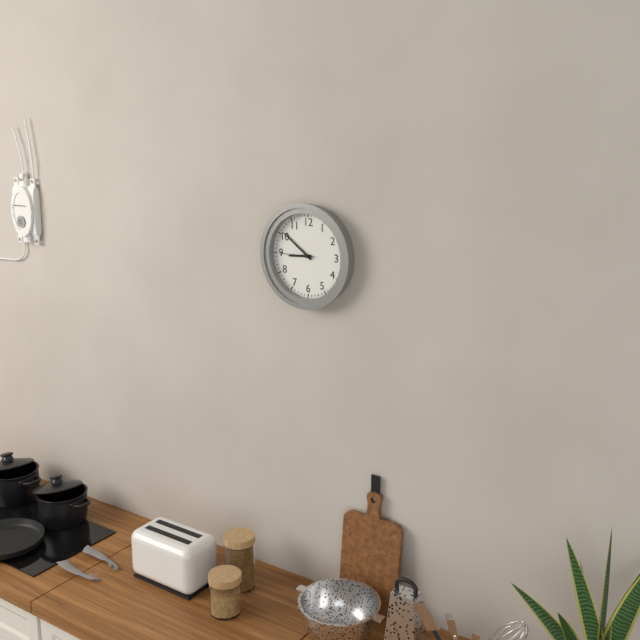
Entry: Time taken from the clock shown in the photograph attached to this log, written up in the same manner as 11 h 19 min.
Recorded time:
8 h 51 min
